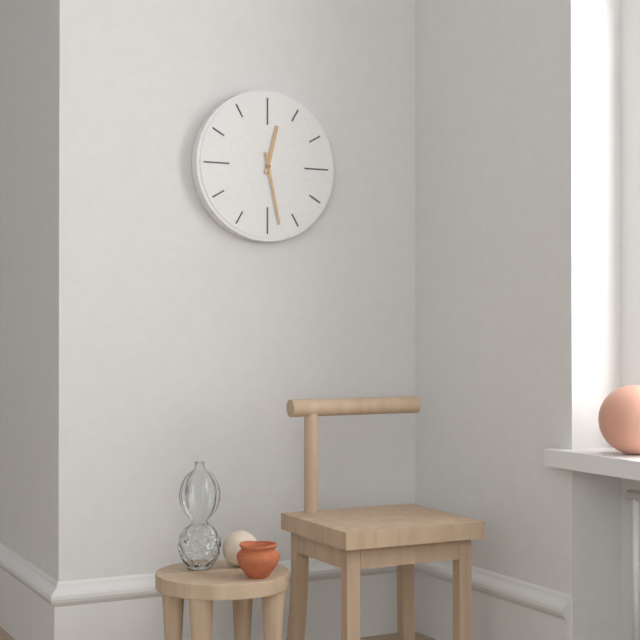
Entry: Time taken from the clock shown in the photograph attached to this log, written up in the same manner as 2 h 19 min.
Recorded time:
12 h 28 min
